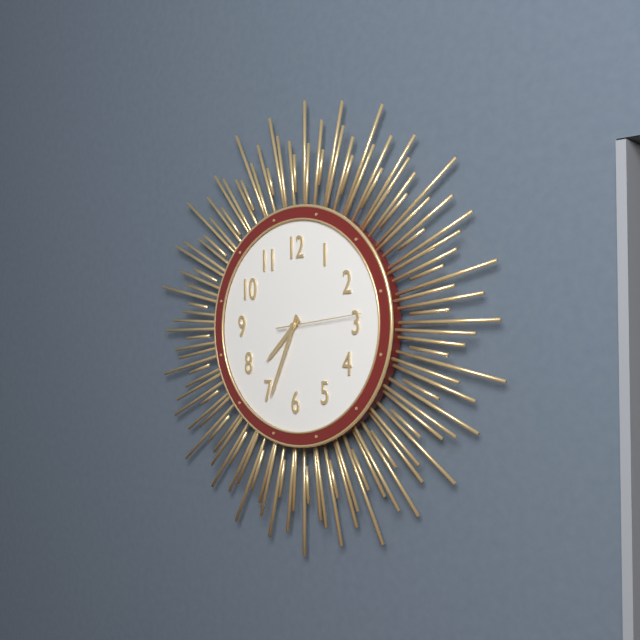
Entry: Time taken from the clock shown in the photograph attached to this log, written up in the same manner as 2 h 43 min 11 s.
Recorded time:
7 h 34 min 14 s
